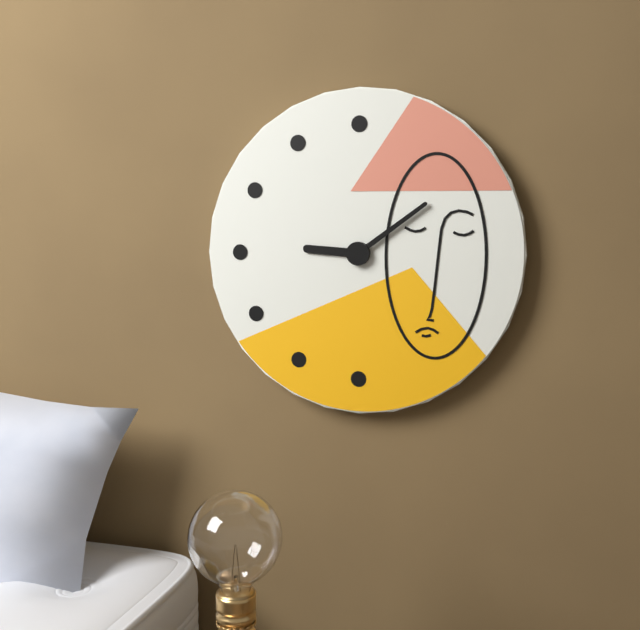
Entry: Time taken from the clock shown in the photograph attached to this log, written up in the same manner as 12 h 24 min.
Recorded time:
9 h 09 min
